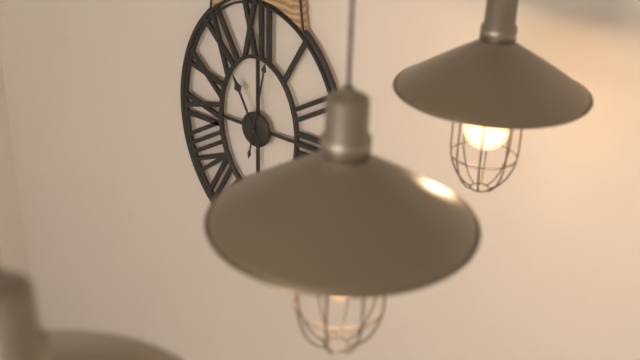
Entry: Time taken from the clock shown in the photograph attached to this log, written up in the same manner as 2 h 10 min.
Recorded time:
11 h 02 min
